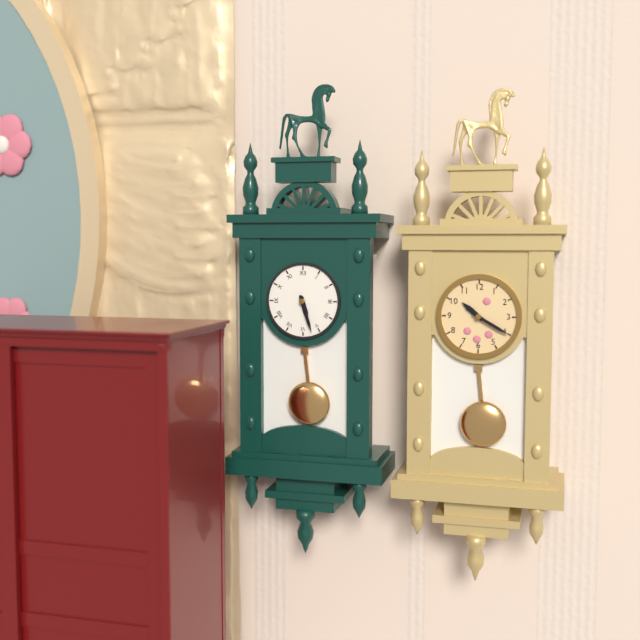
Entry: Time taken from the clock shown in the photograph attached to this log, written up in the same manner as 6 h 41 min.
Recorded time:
5 h 27 min
